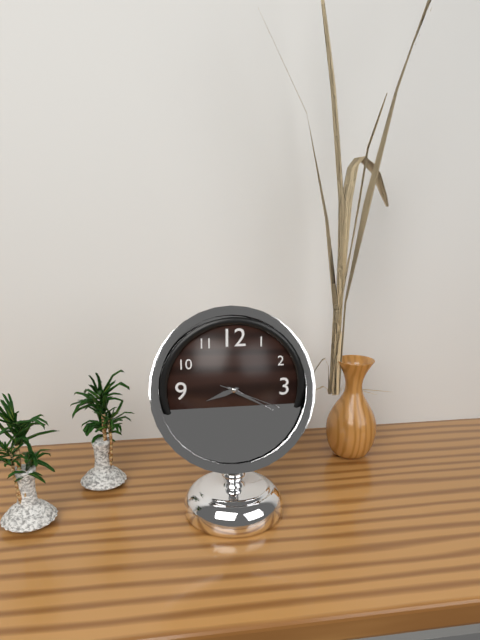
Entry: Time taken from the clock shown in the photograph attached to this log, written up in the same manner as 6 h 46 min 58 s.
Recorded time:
8 h 20 min 19 s
